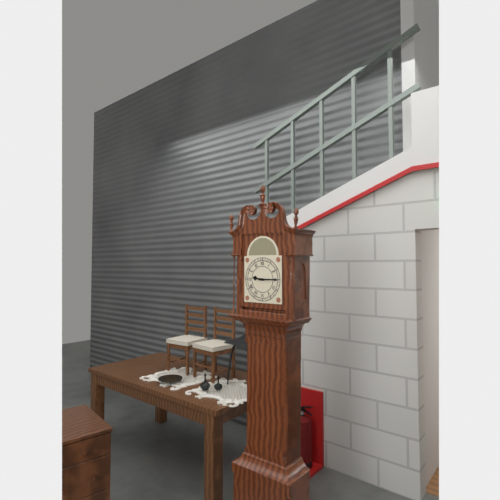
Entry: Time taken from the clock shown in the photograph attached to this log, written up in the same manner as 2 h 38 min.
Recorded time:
9 h 15 min
